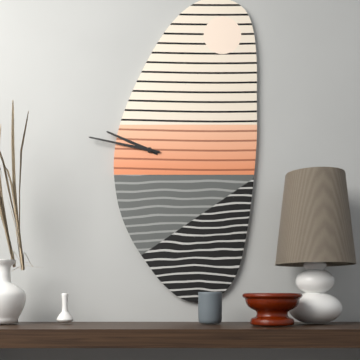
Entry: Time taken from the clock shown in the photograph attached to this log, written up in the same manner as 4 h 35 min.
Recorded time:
9 h 47 min
